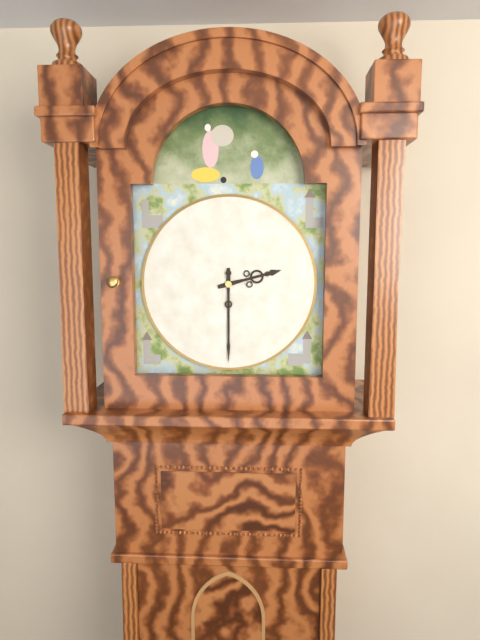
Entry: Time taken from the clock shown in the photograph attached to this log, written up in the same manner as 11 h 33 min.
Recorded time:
2 h 30 min
